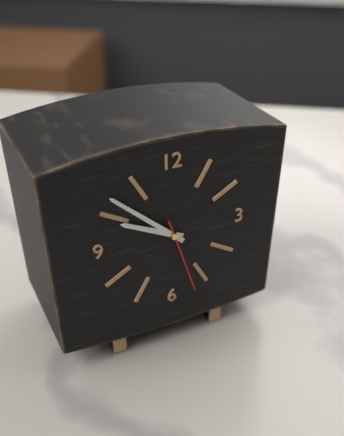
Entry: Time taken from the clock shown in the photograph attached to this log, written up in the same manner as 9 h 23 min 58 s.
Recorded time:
9 h 52 min 27 s
